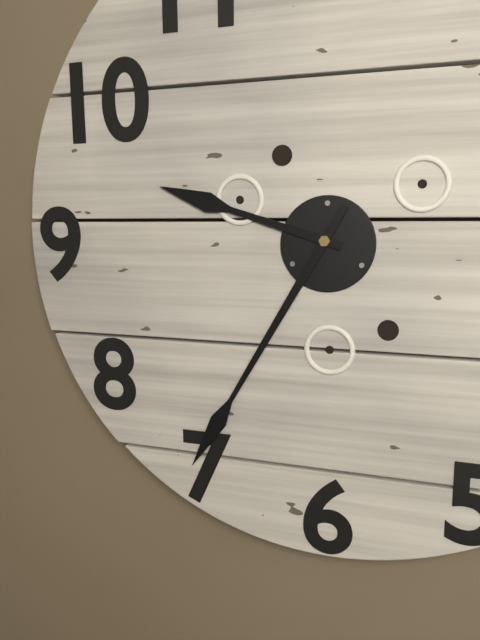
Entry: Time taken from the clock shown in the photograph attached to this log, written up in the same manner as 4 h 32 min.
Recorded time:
9 h 35 min
